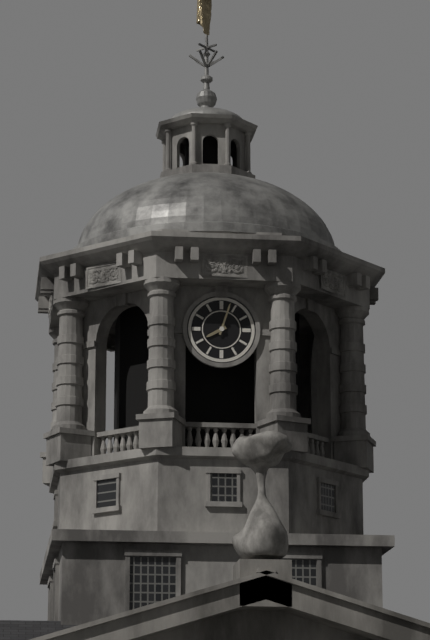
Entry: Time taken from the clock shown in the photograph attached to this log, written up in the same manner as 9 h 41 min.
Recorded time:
8 h 03 min
